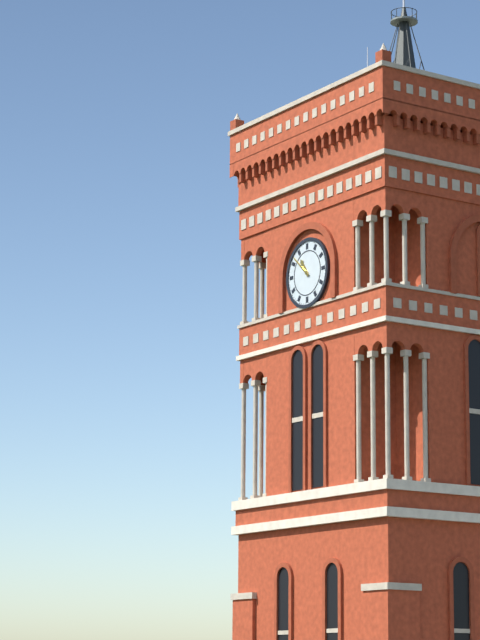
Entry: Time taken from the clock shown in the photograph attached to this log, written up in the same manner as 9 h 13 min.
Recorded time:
10 h 52 min
